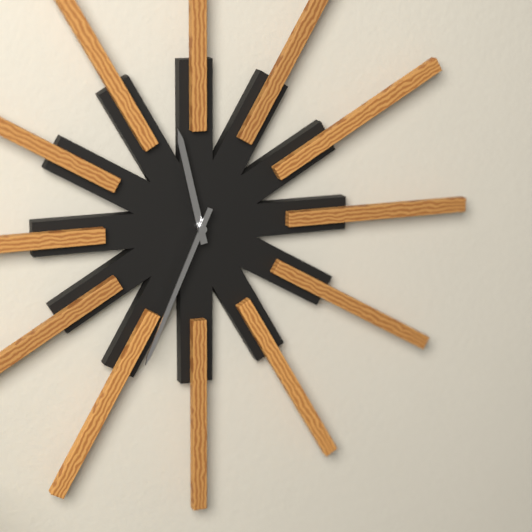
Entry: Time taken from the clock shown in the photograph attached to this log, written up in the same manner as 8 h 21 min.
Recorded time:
11 h 34 min
